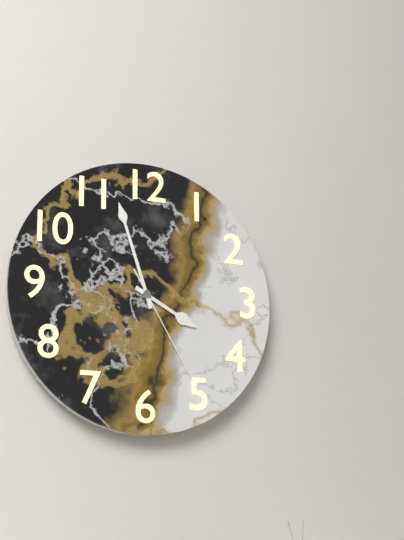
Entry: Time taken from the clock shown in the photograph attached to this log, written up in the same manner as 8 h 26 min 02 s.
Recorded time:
3 h 57 min 25 s
